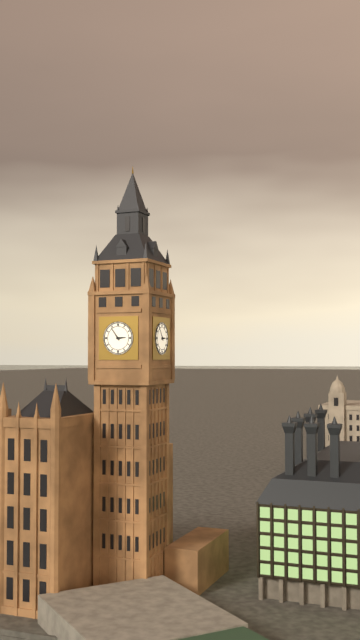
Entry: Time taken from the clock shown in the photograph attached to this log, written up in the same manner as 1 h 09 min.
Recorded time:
2 h 54 min
